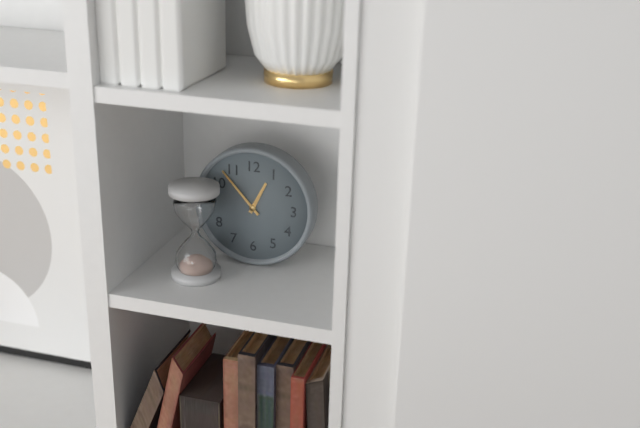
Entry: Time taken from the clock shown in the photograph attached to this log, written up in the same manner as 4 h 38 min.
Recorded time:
12 h 53 min
